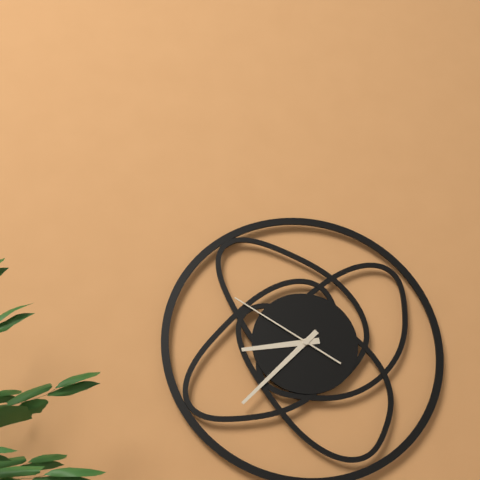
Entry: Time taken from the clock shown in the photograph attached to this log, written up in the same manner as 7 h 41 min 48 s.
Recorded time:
8 h 37 min 50 s
